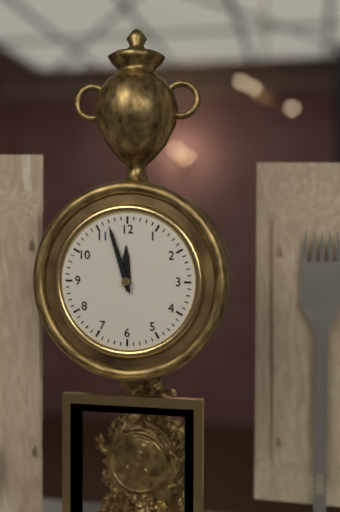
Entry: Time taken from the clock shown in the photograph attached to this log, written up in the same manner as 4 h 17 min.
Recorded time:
11 h 57 min
